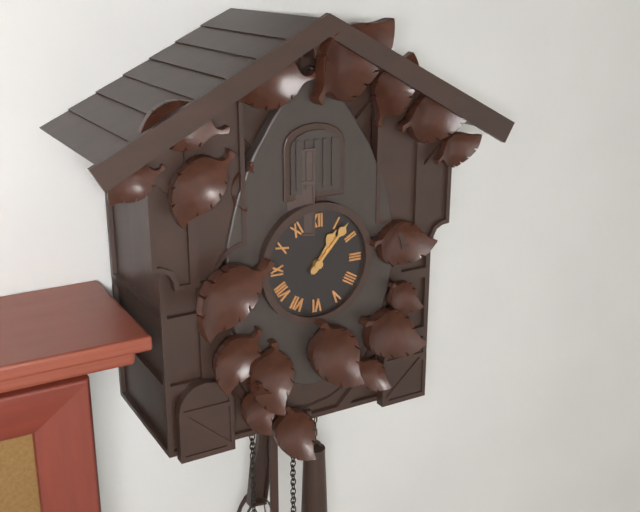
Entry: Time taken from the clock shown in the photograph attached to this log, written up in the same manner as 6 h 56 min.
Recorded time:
1 h 07 min
